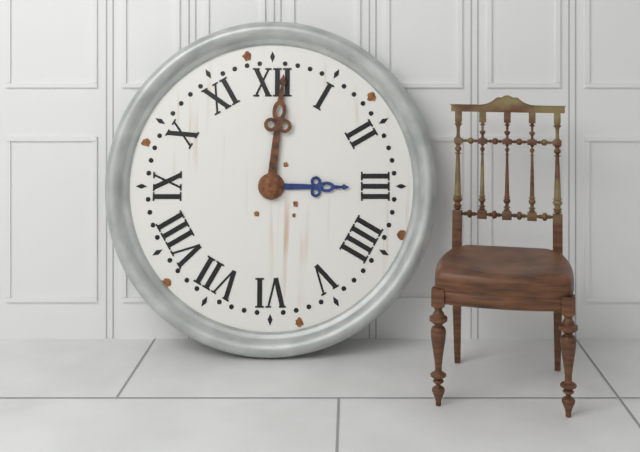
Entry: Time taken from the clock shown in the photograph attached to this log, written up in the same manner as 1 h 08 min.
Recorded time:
3 h 01 min
